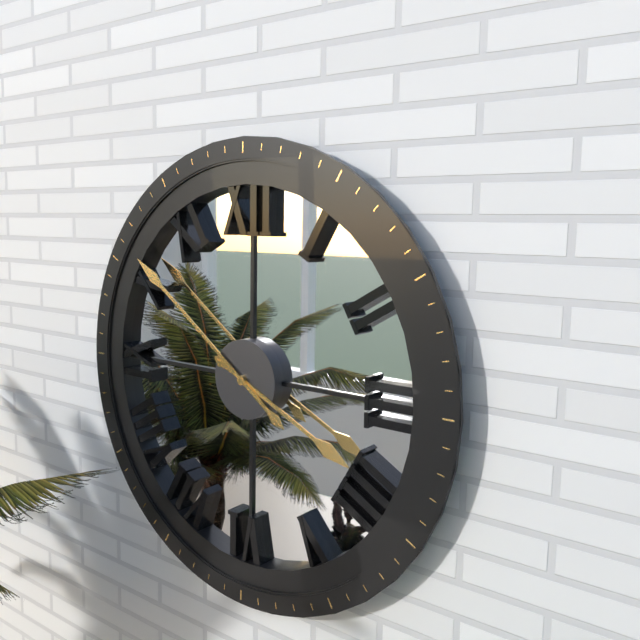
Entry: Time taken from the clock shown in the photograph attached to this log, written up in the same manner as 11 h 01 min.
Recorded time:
3 h 51 min
